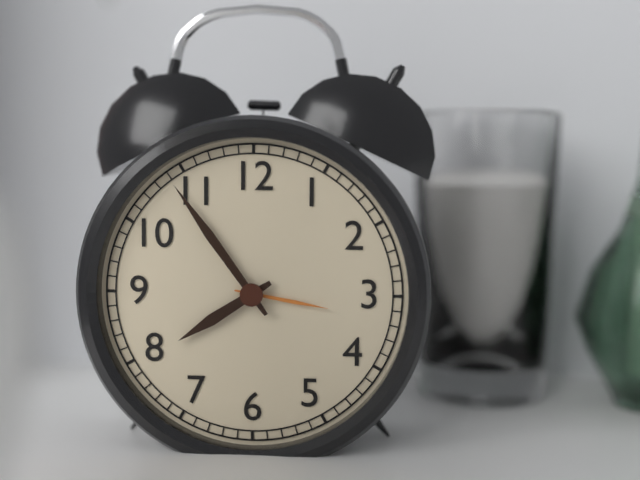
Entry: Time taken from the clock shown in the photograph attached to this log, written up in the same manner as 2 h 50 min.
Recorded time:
7 h 54 min
